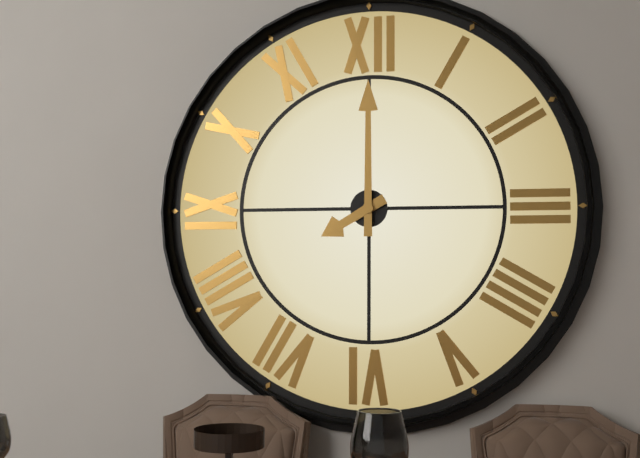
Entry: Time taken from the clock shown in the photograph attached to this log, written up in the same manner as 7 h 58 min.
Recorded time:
8 h 00 min
